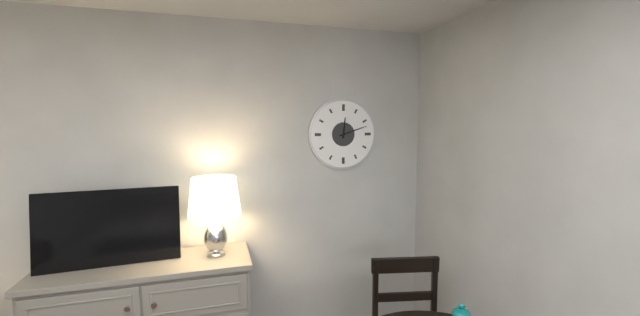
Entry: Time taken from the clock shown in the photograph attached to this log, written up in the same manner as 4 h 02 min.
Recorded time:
12 h 12 min
